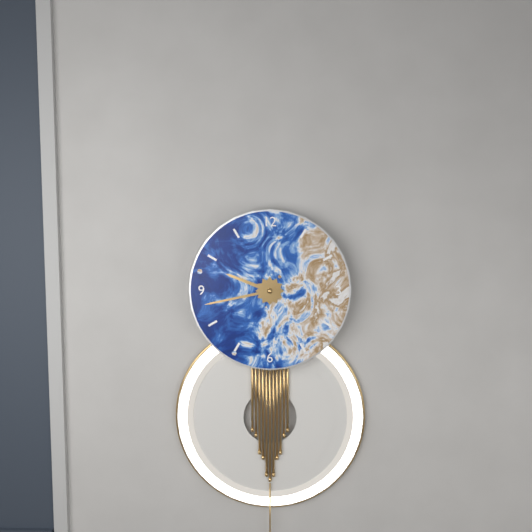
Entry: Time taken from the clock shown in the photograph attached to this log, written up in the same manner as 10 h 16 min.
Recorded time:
9 h 43 min
